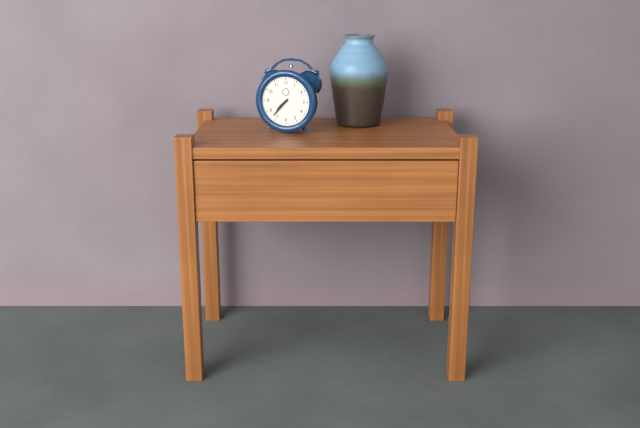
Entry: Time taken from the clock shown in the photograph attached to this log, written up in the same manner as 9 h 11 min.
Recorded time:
7 h 37 min
